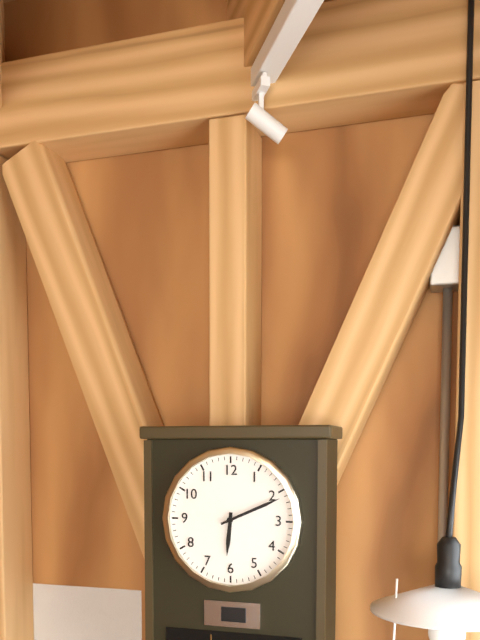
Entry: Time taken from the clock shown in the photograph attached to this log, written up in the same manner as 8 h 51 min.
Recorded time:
6 h 11 min
